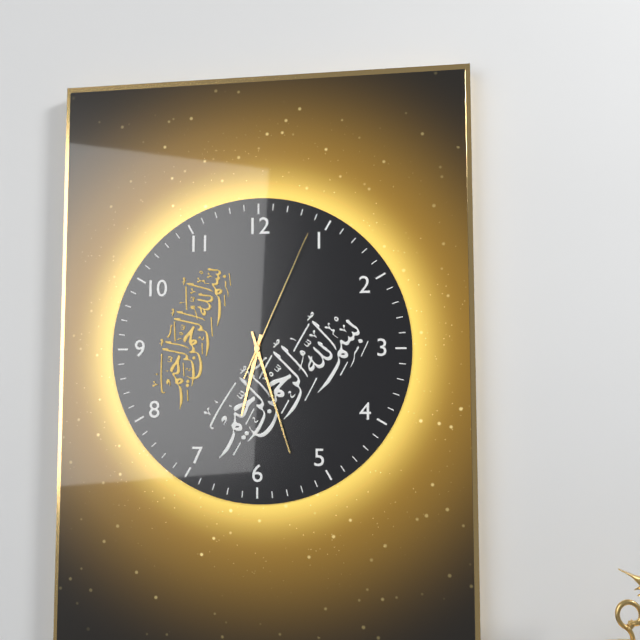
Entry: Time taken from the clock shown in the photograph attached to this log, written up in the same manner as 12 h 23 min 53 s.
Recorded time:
6 h 27 min 04 s
